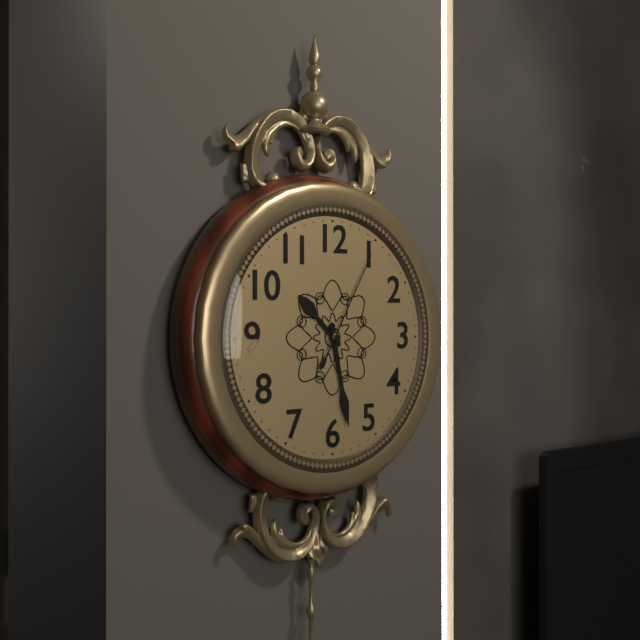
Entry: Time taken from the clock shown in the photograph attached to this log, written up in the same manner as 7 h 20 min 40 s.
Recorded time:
10 h 28 min 05 s
